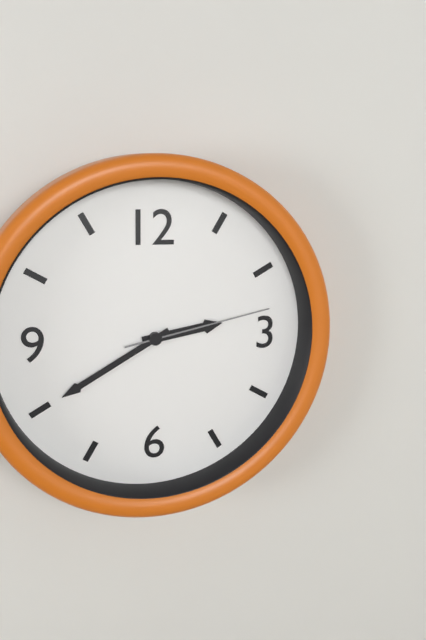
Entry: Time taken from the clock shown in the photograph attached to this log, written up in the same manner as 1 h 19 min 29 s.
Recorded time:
2 h 40 min 13 s
